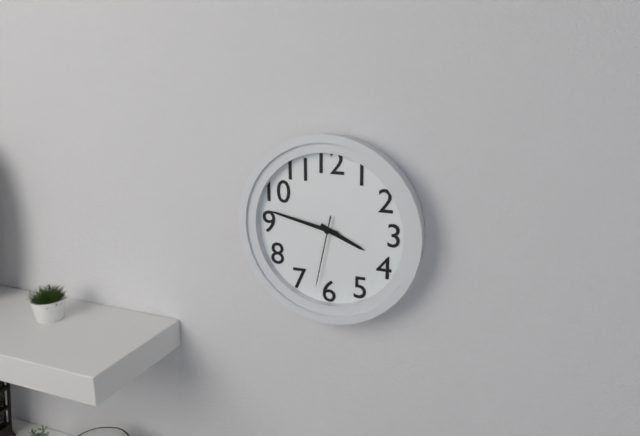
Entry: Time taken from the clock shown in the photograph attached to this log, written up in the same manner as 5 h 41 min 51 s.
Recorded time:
3 h 47 min 32 s
